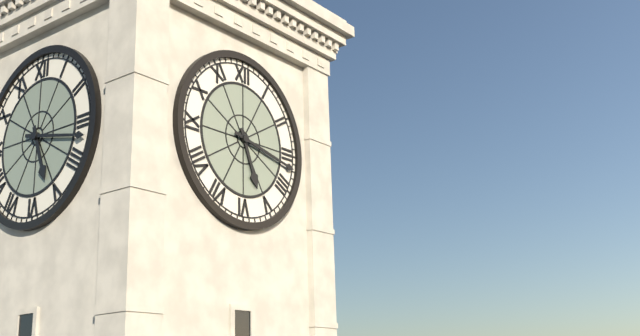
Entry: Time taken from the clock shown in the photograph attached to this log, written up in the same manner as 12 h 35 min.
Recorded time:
5 h 17 min
